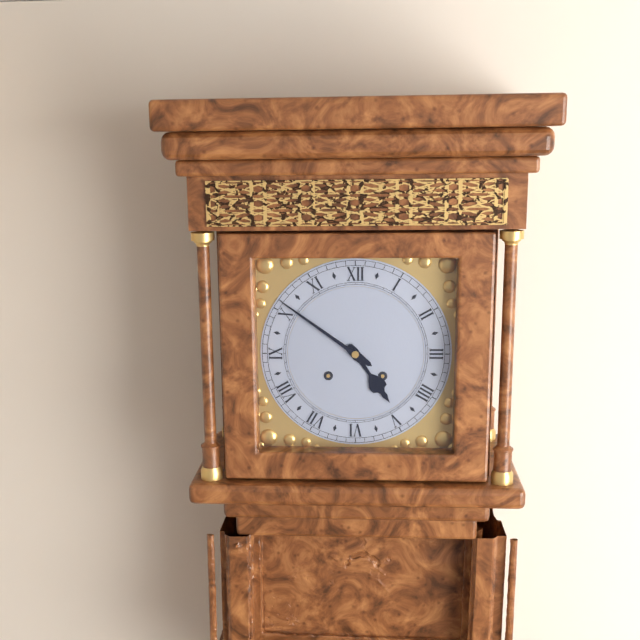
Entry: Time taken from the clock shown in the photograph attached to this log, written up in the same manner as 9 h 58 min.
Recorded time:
4 h 51 min
